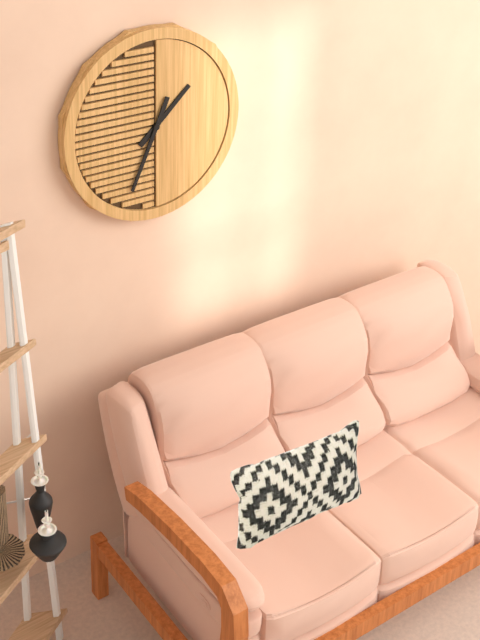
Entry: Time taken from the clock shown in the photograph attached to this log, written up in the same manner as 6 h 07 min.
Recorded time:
1 h 34 min
